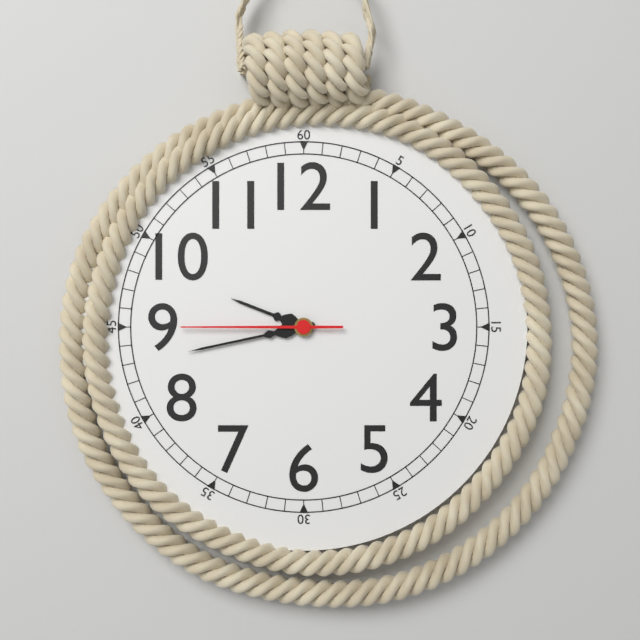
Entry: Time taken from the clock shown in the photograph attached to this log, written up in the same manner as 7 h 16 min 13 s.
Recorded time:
9 h 43 min 45 s
